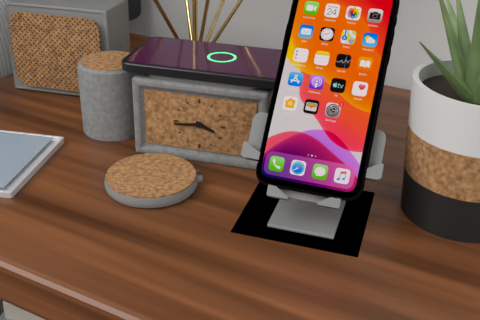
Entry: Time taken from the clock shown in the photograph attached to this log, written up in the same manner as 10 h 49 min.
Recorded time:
3 h 44 min
